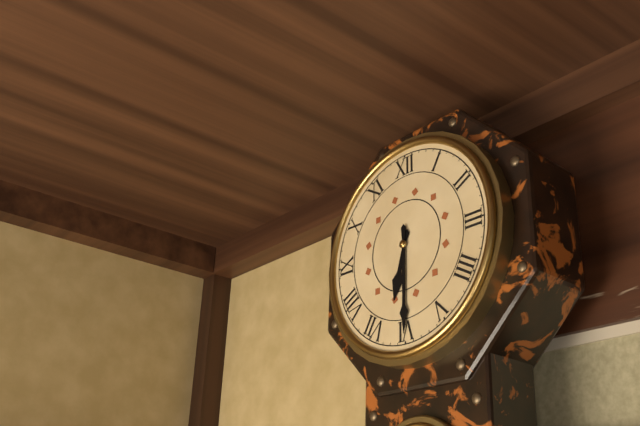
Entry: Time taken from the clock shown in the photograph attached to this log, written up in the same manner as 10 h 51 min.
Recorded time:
6 h 30 min
